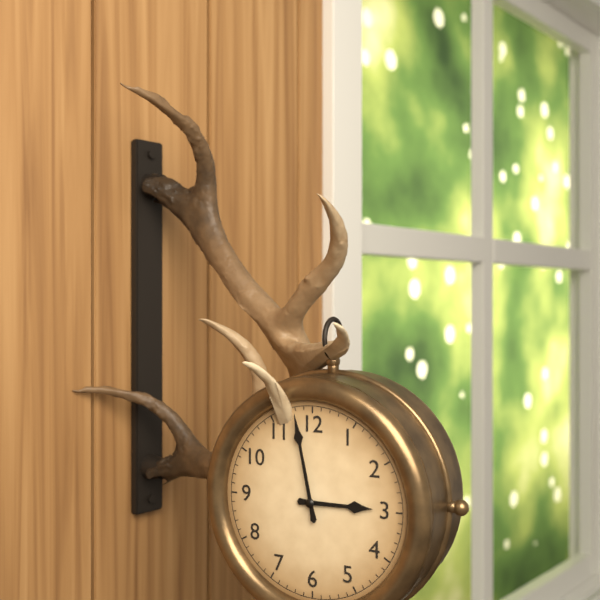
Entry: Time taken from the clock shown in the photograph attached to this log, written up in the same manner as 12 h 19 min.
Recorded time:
2 h 58 min
